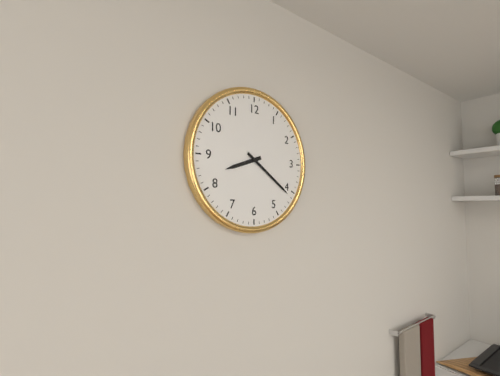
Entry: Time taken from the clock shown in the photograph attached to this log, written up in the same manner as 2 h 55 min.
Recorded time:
8 h 21 min
